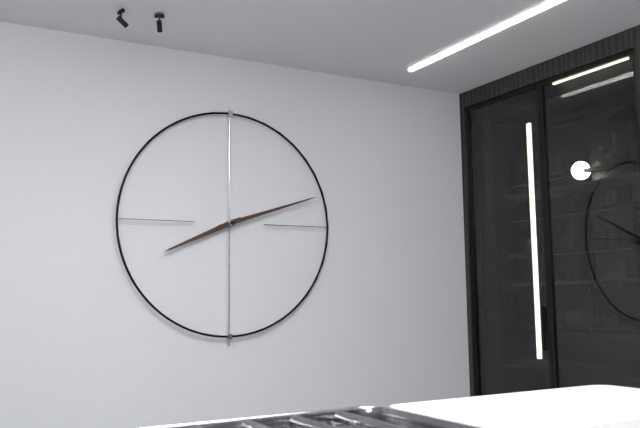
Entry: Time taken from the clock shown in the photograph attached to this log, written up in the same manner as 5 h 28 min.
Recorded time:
8 h 12 min
